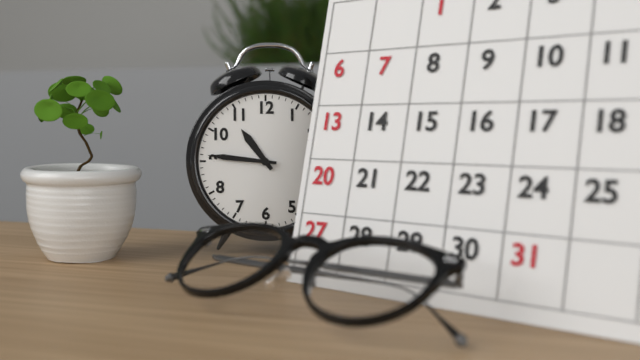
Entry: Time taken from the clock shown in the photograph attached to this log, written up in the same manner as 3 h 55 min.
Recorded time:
10 h 46 min
